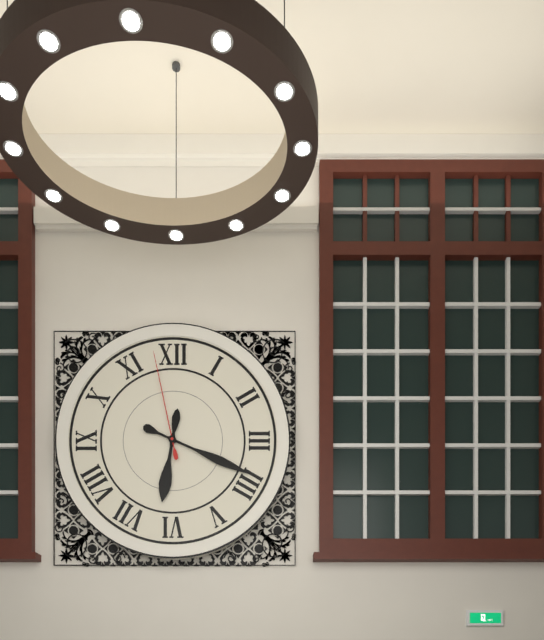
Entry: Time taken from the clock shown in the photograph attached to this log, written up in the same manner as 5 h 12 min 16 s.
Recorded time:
6 h 19 min 58 s
